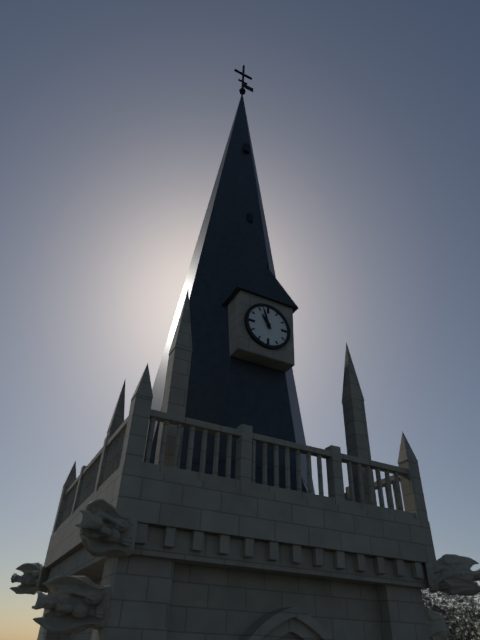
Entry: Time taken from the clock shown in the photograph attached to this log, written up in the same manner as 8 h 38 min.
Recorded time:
10 h 57 min
